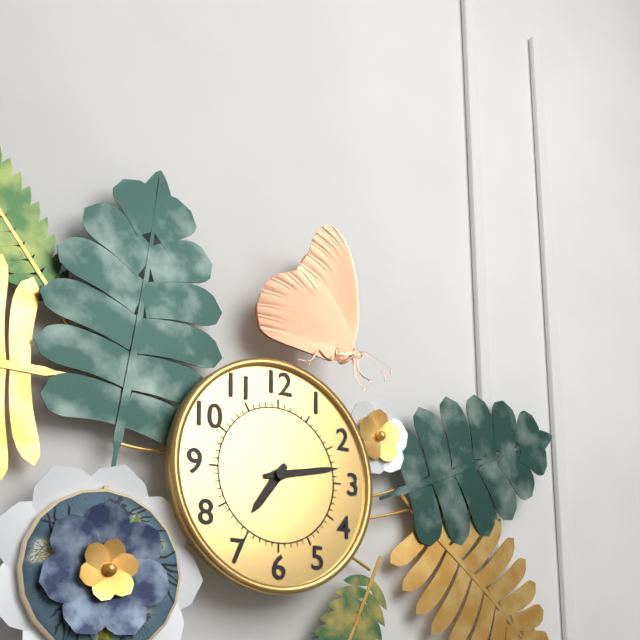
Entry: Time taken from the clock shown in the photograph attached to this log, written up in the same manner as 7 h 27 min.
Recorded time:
7 h 13 min
